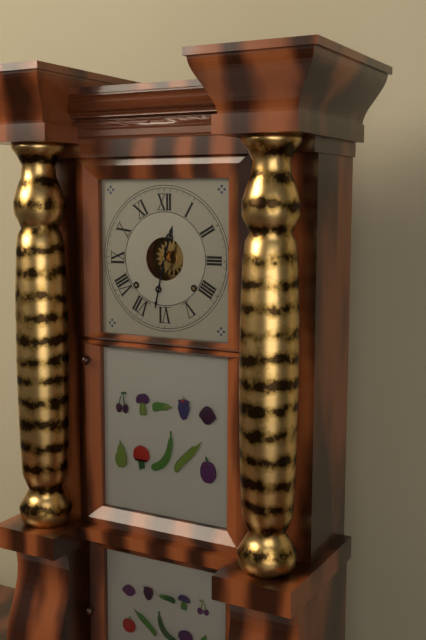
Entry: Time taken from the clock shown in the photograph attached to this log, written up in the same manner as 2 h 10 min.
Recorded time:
12 h 32 min
